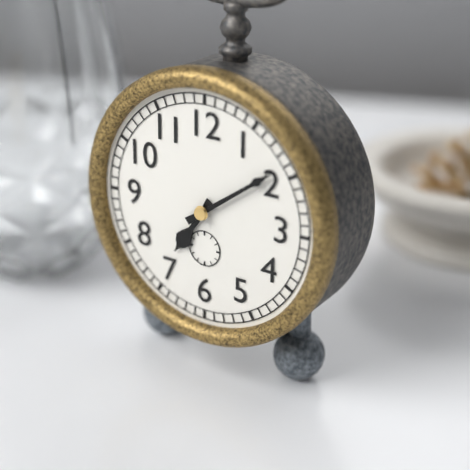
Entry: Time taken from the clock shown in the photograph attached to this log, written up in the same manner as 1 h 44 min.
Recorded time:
7 h 09 min
